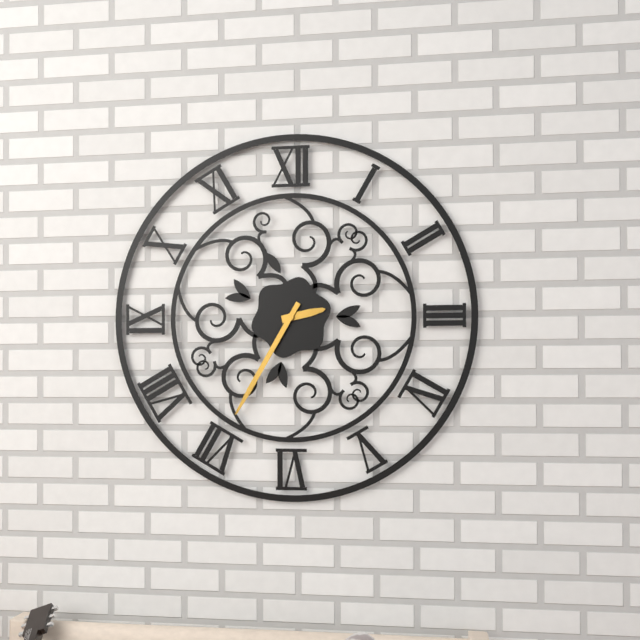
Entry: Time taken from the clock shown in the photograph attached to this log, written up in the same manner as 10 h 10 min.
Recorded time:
2 h 35 min
